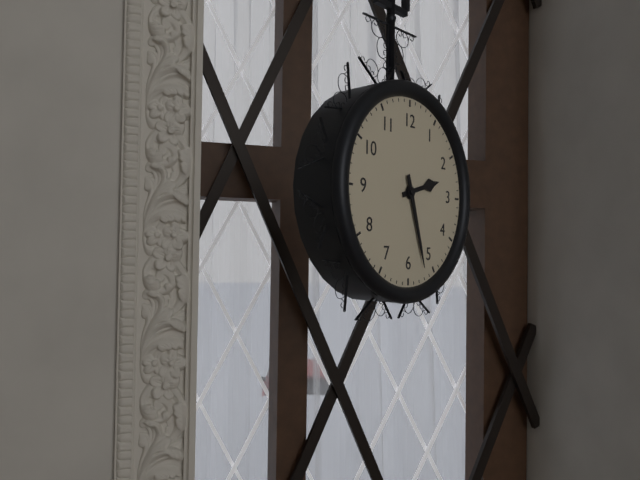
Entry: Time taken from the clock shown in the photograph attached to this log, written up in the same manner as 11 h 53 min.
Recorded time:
2 h 27 min
